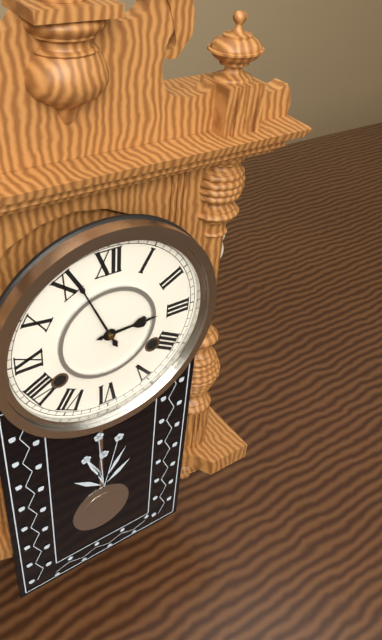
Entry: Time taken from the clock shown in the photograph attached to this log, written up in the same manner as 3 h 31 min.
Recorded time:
2 h 56 min
